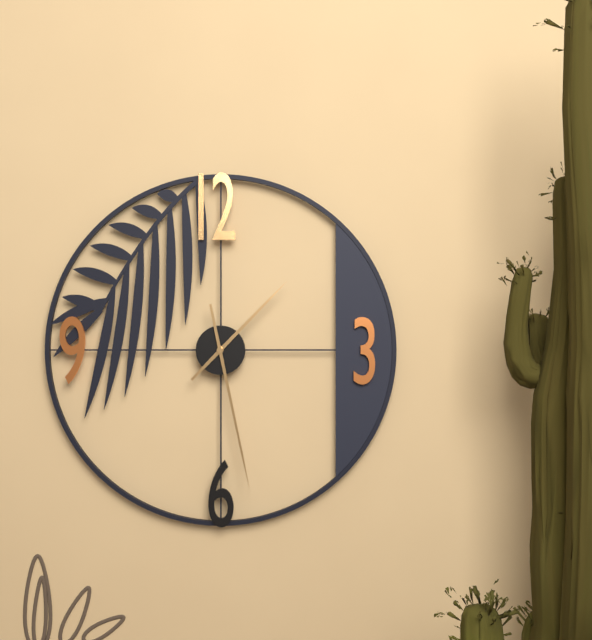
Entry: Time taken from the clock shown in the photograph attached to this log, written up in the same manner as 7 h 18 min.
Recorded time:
1 h 28 min
